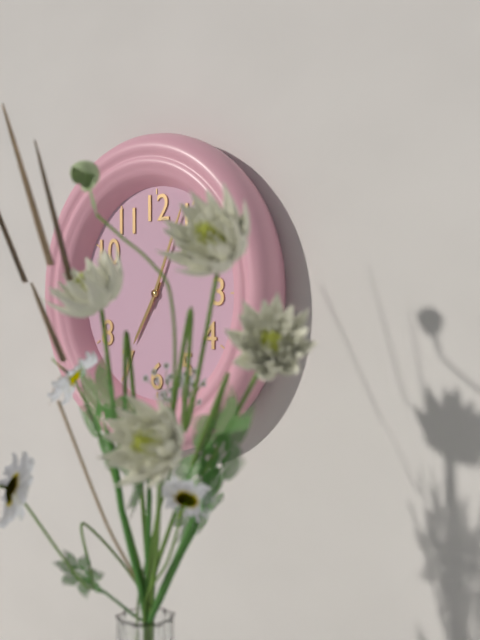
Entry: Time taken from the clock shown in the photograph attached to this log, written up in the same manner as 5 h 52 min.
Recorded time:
7 h 04 min
